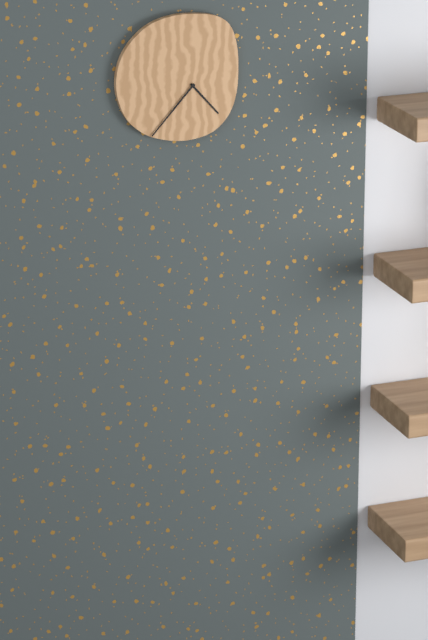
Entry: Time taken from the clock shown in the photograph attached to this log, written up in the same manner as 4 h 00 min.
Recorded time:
4 h 37 min
